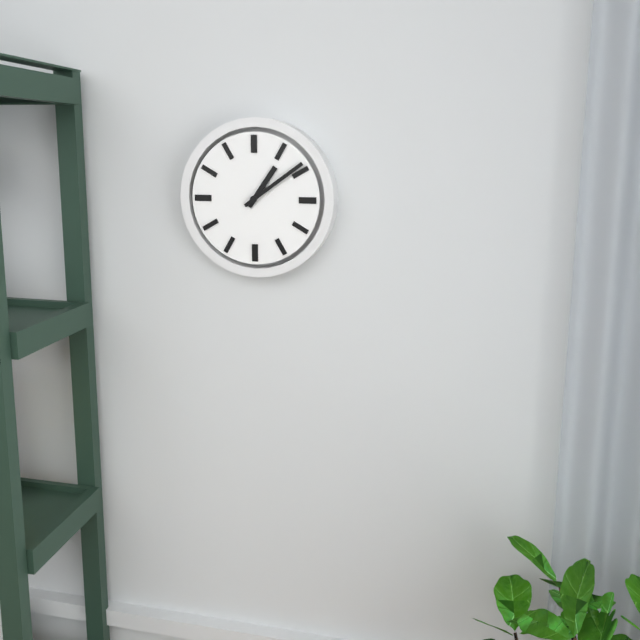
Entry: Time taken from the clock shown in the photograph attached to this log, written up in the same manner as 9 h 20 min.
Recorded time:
1 h 09 min
